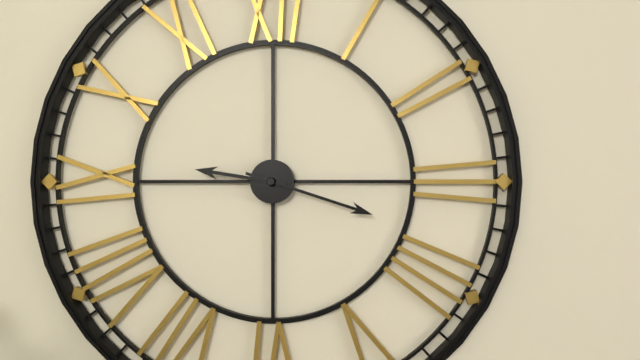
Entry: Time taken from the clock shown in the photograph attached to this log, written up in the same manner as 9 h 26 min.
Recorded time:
9 h 18 min
